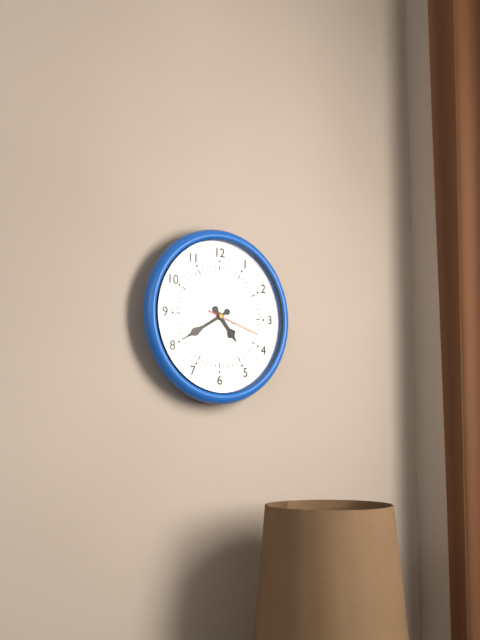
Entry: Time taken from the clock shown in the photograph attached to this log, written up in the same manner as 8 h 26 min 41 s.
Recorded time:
4 h 40 min 18 s
